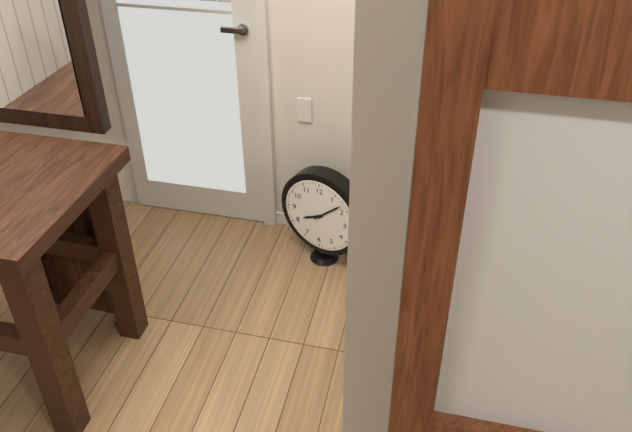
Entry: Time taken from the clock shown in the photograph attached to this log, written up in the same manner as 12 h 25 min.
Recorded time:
8 h 08 min
